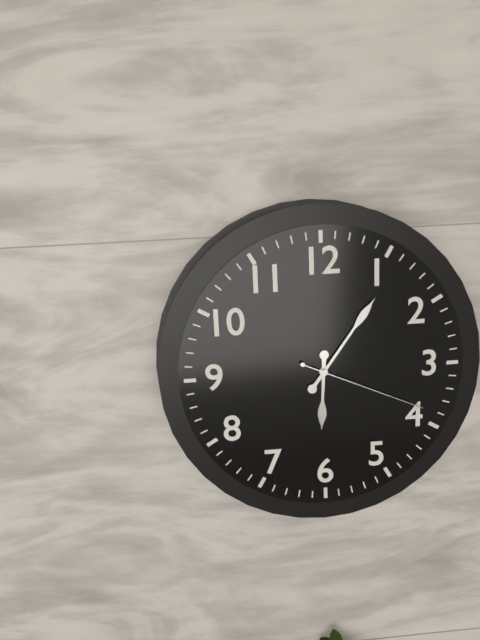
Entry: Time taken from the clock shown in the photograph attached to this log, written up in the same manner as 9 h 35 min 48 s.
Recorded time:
6 h 06 min 19 s
